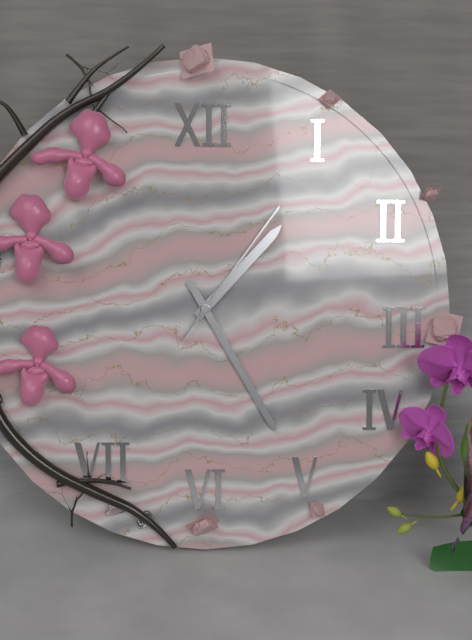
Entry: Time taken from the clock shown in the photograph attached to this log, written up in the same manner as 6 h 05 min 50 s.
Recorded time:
1 h 25 min 06 s
